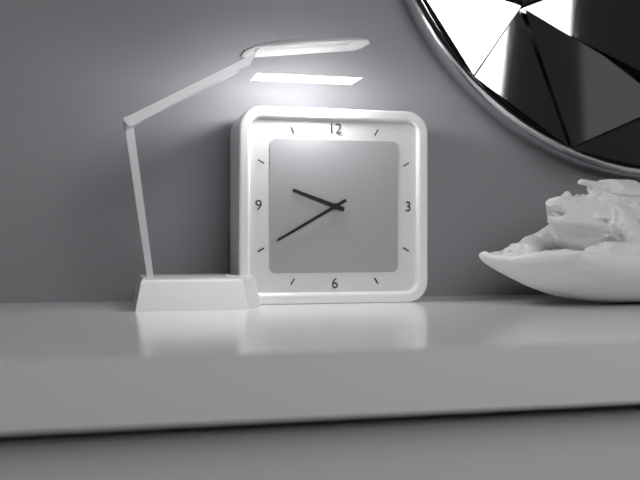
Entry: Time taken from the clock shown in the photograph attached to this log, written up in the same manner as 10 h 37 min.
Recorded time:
9 h 40 min
